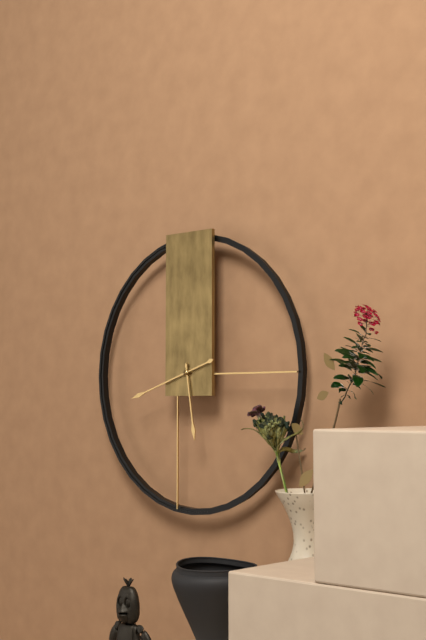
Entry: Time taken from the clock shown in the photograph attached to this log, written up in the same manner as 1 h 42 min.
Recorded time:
5 h 42 min
